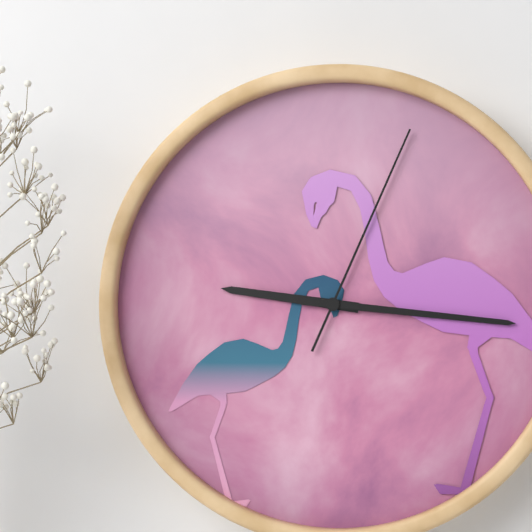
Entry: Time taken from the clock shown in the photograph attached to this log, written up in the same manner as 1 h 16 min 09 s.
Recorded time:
9 h 16 min 04 s
